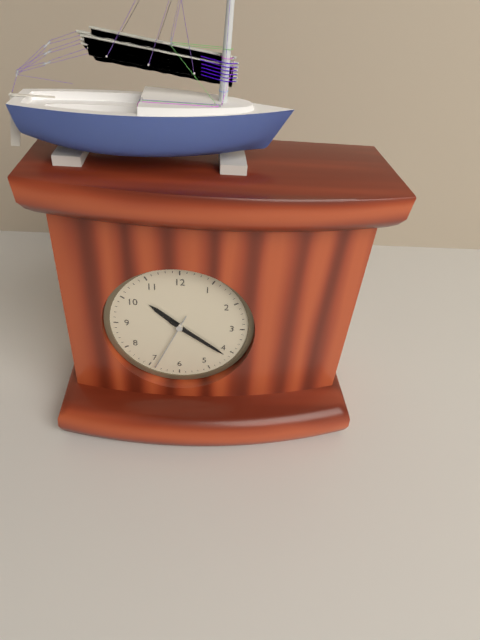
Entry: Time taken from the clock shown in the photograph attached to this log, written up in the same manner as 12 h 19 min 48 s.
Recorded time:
10 h 21 min 34 s
